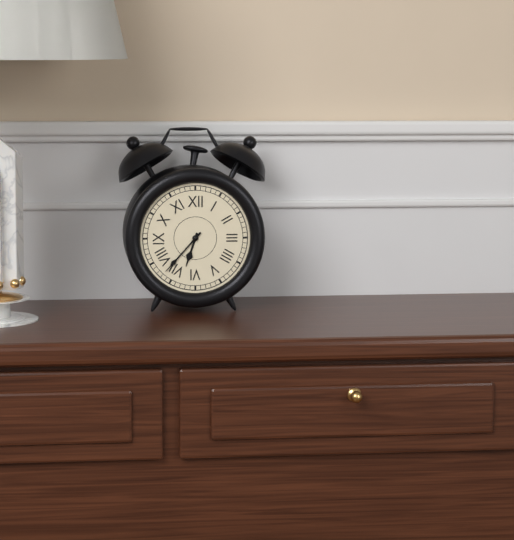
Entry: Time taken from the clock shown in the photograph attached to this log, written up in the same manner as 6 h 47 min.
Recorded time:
6 h 37 min
